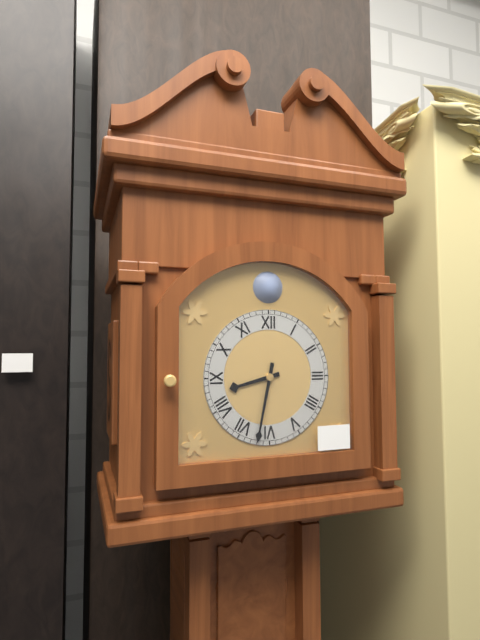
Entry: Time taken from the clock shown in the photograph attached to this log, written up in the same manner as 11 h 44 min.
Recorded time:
8 h 32 min
